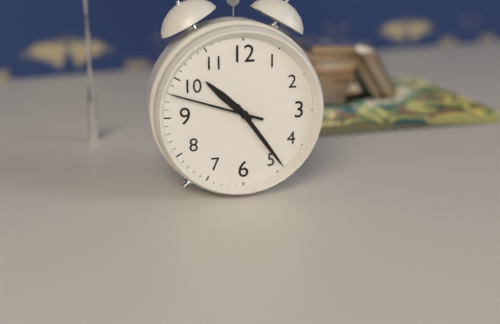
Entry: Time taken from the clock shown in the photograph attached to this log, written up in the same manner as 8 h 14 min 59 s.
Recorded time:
10 h 24 min 48 s
